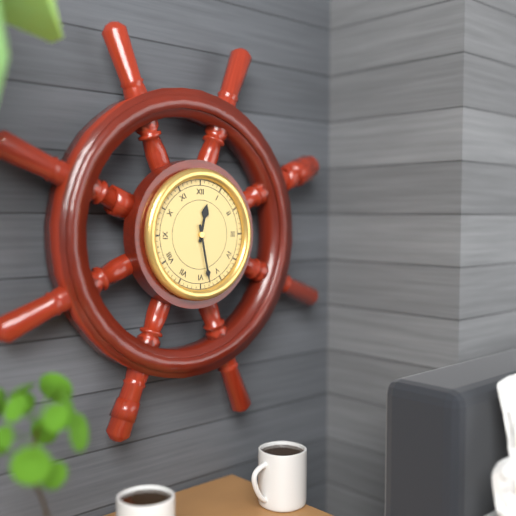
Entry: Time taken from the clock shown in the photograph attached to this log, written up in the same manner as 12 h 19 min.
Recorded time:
12 h 28 min
